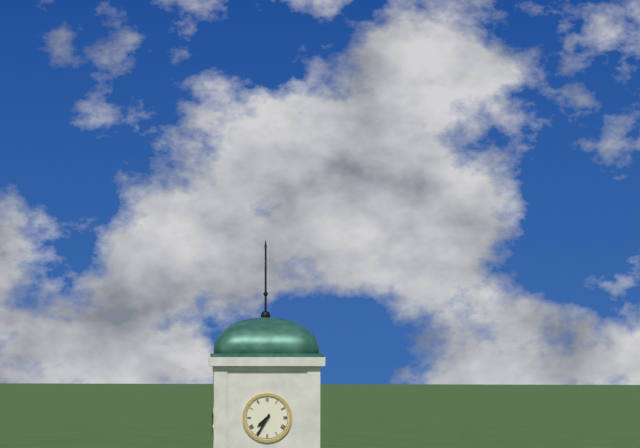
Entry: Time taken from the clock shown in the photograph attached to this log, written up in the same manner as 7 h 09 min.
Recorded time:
7 h 35 min
